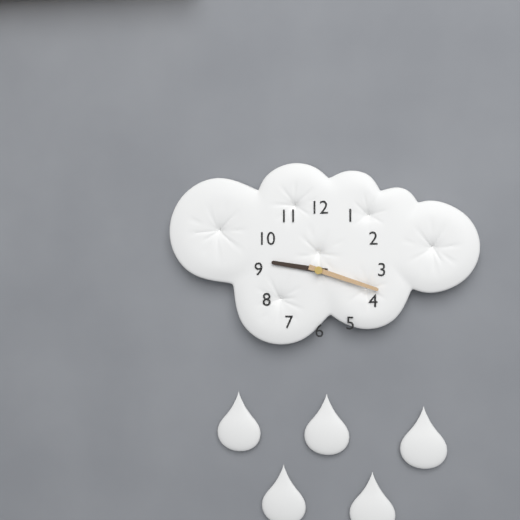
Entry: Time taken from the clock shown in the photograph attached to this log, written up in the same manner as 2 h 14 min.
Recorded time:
9 h 18 min
